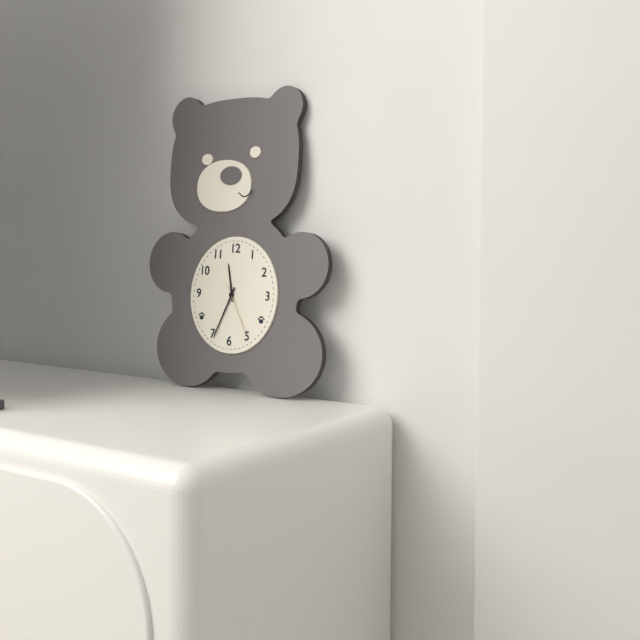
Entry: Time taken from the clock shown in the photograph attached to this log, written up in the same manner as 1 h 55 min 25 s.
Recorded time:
11 h 34 min 25 s
